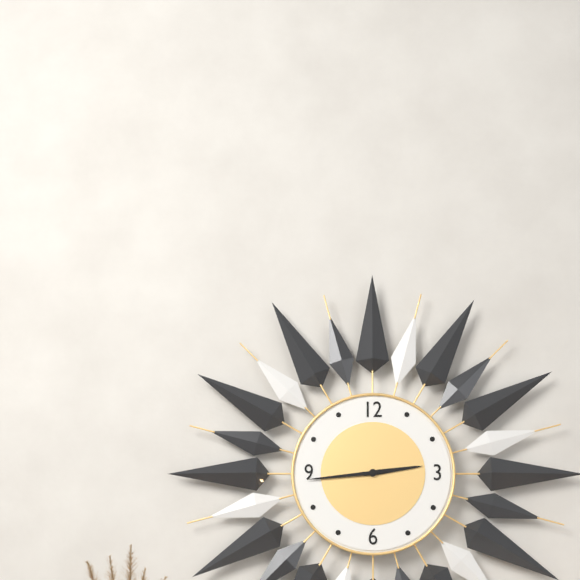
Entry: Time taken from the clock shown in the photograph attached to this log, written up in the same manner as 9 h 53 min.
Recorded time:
2 h 44 min
